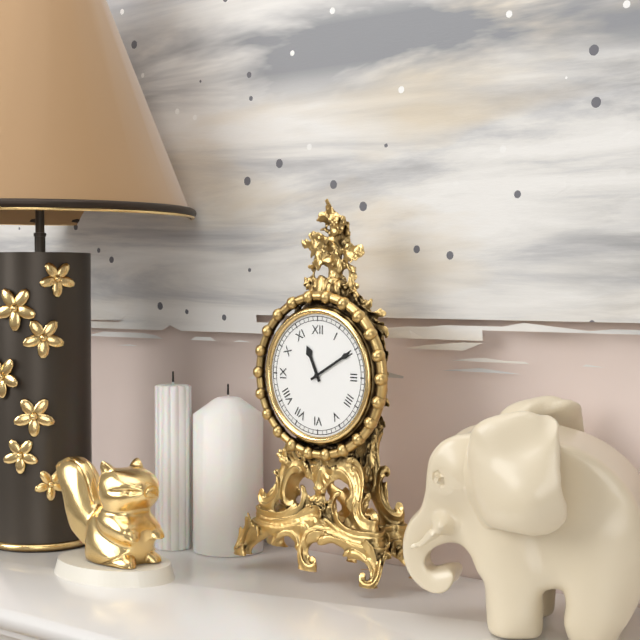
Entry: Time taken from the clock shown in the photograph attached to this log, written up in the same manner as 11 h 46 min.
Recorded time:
11 h 10 min
